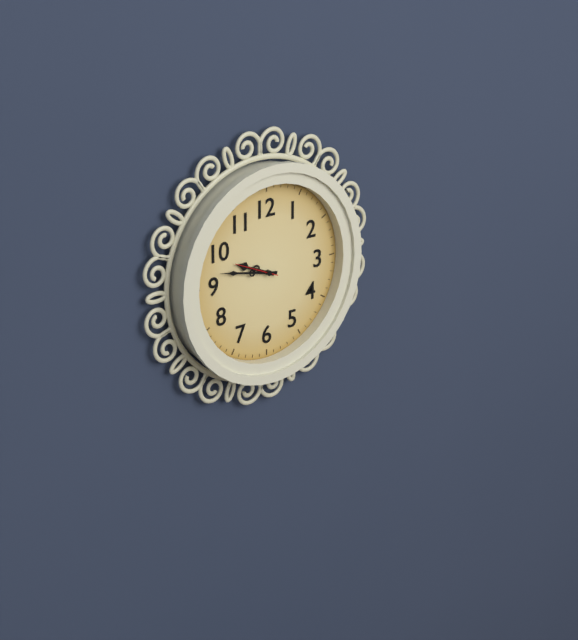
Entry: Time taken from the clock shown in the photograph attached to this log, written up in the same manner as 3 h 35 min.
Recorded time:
9 h 47 min
